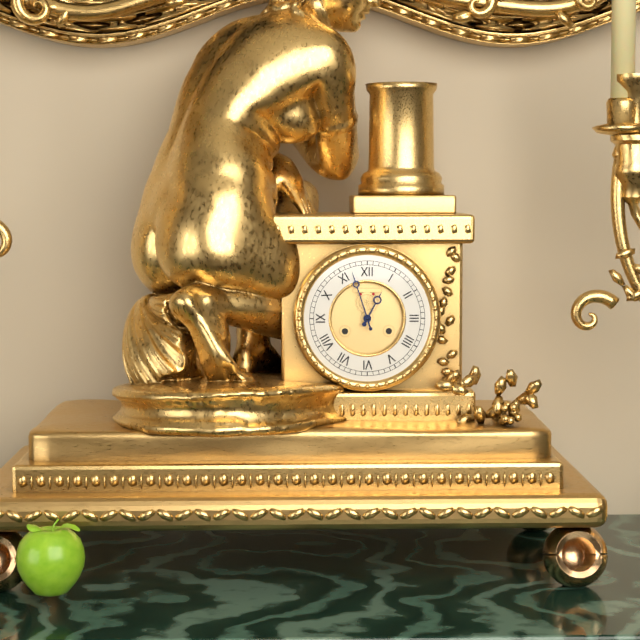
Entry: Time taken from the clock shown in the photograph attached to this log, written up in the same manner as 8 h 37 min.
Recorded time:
12 h 57 min
